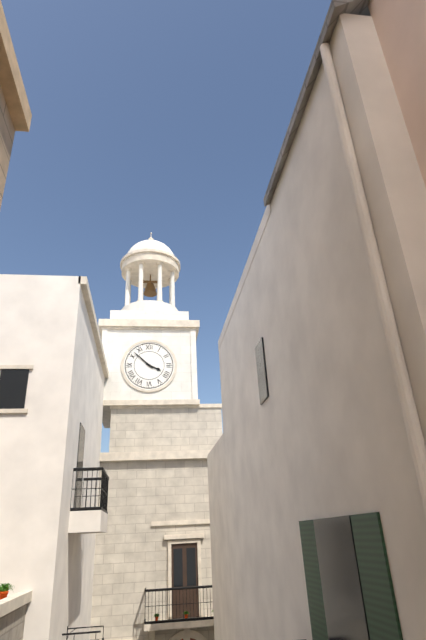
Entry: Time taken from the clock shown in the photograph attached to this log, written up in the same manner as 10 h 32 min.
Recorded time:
3 h 52 min
